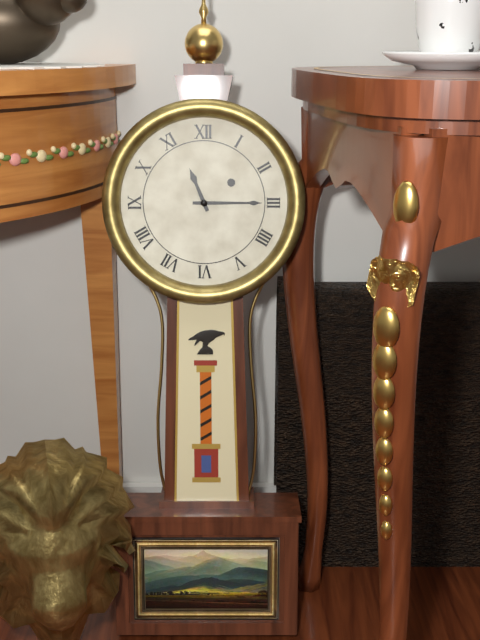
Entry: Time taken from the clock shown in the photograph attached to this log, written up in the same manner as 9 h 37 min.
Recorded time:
11 h 15 min
